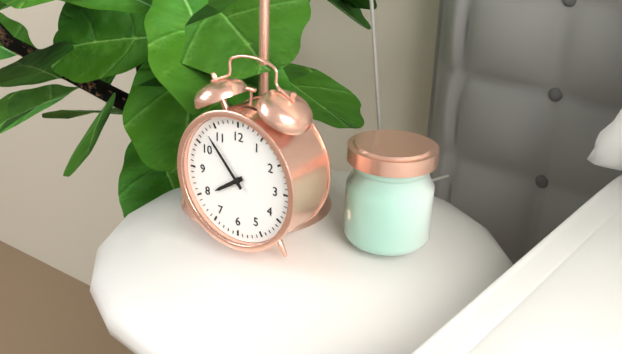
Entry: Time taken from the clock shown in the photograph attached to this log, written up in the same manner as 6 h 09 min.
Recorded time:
7 h 53 min
